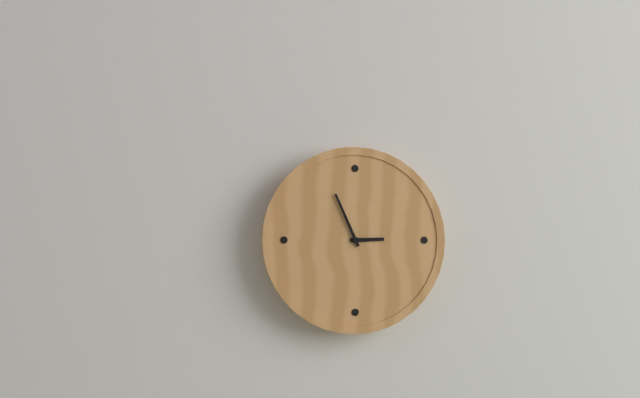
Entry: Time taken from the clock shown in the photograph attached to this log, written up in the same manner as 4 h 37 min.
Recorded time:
2 h 56 min
